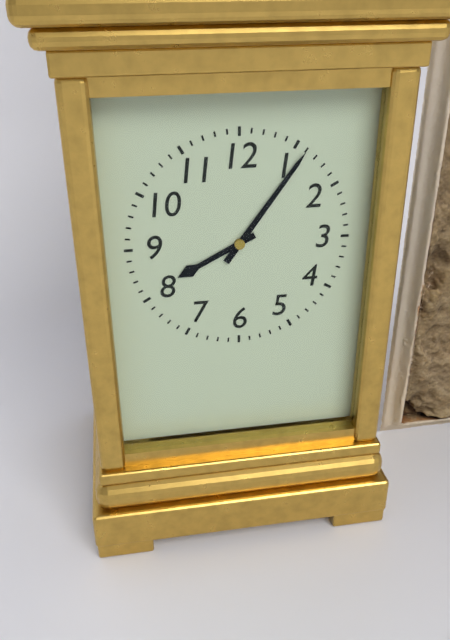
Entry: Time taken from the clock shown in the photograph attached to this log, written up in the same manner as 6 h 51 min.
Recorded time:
8 h 06 min
